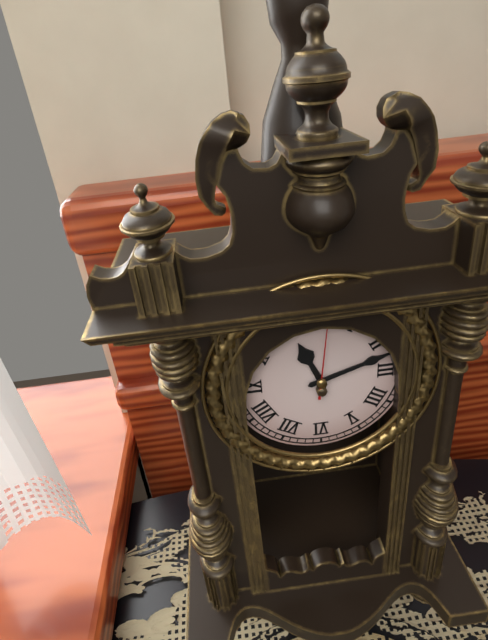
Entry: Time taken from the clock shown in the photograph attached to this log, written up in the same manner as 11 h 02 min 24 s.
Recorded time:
11 h 12 min 01 s
